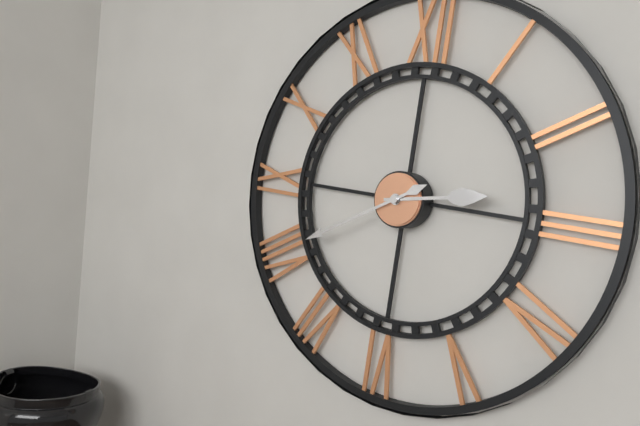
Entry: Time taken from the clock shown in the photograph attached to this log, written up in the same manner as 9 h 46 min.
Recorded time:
2 h 40 min
